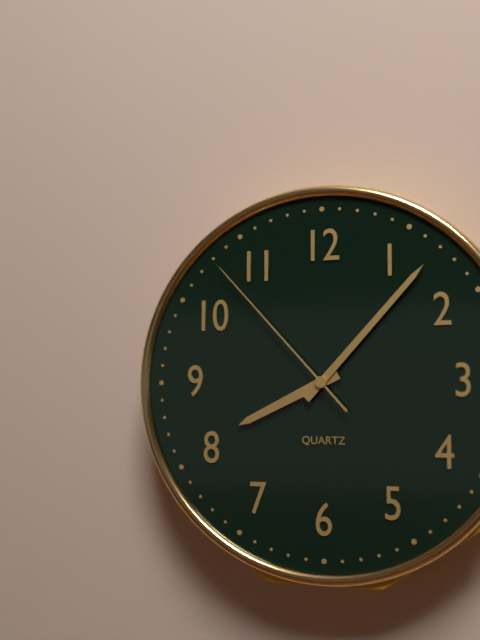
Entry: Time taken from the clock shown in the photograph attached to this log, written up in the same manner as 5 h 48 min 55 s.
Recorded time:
8 h 07 min 53 s
